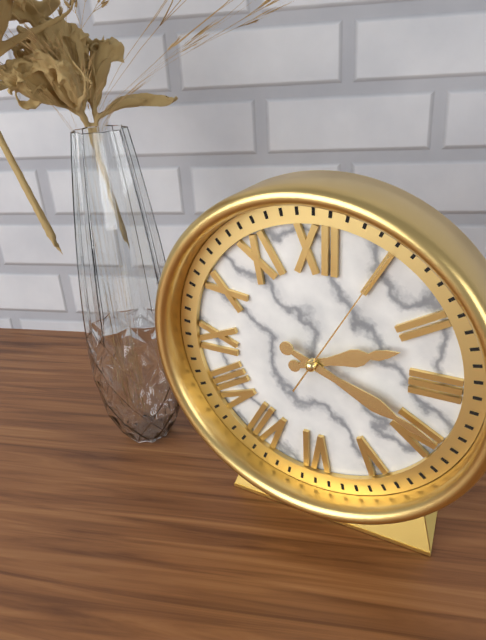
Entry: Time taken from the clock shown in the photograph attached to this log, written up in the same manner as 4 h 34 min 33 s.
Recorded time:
2 h 19 min 05 s
